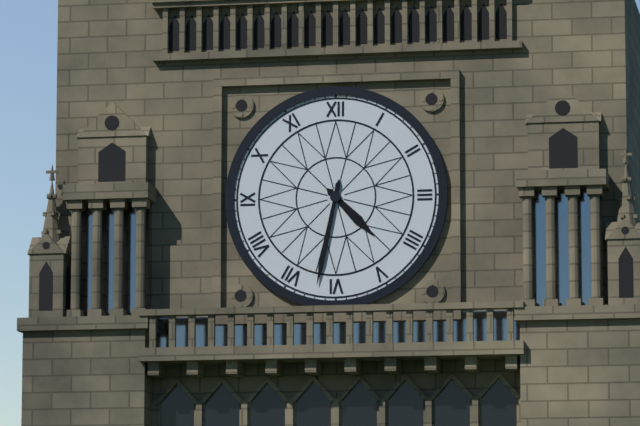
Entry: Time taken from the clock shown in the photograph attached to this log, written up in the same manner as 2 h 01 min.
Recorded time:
4 h 32 min
